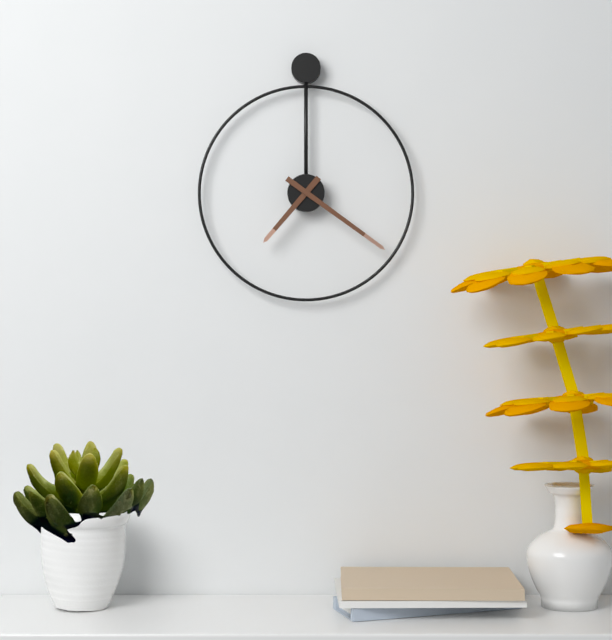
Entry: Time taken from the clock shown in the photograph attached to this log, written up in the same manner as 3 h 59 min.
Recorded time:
7 h 21 min
